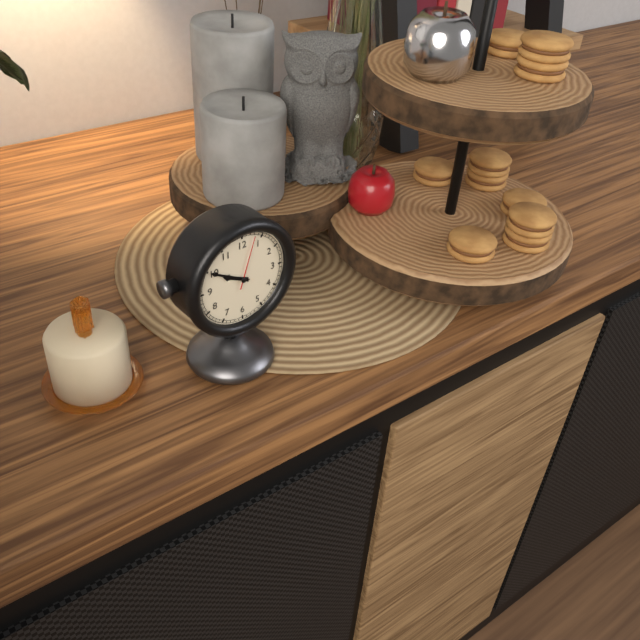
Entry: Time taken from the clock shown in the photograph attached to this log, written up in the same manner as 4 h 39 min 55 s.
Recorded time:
9 h 50 min 03 s
